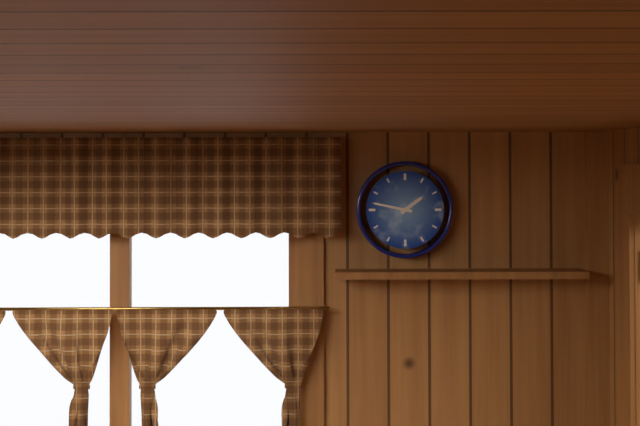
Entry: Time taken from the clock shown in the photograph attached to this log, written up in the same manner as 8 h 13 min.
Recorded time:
1 h 47 min
